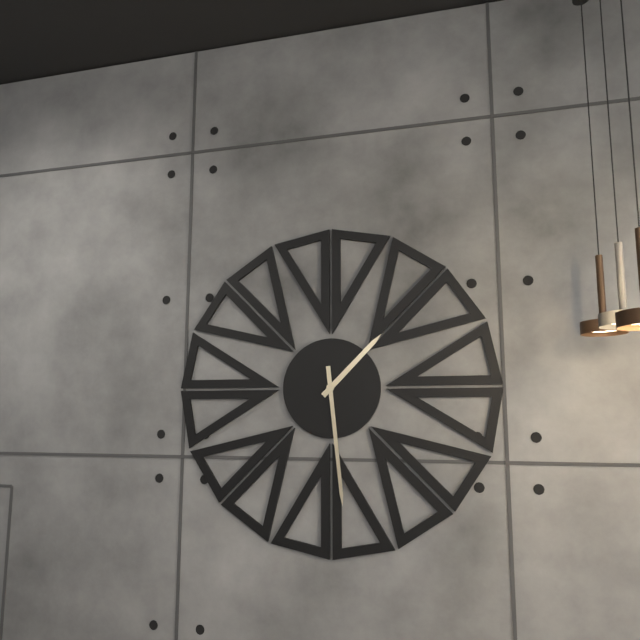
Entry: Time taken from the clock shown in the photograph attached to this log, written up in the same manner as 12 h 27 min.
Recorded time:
1 h 29 min
